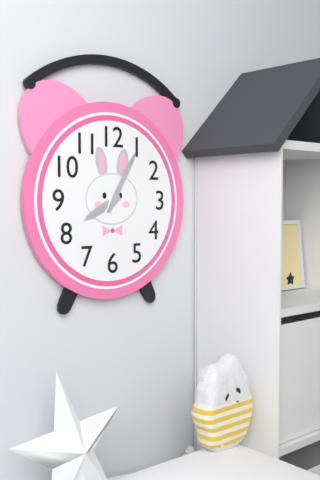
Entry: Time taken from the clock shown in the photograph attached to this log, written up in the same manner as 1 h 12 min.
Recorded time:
8 h 05 min
